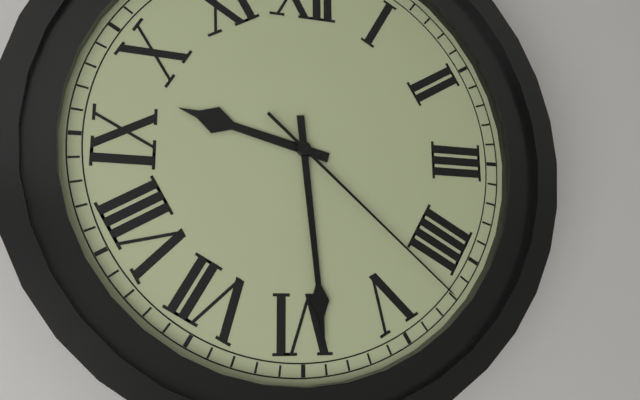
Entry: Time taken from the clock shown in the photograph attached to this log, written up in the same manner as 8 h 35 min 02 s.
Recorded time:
9 h 29 min 22 s
